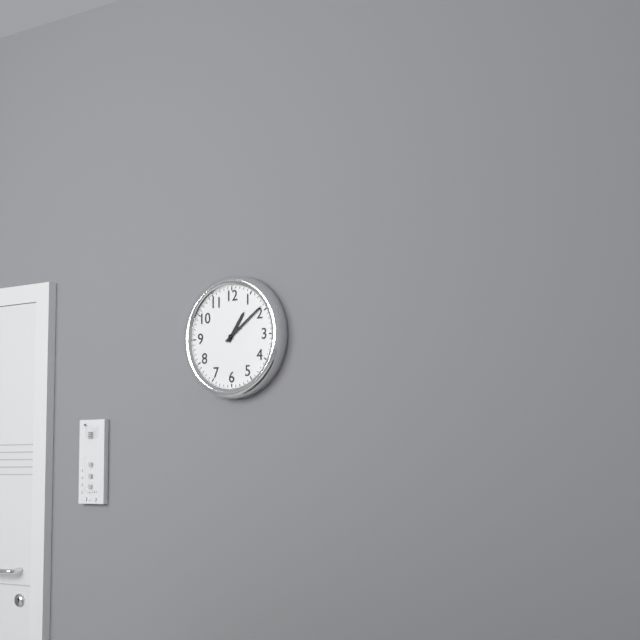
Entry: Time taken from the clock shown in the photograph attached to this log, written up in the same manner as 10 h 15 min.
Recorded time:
1 h 09 min
